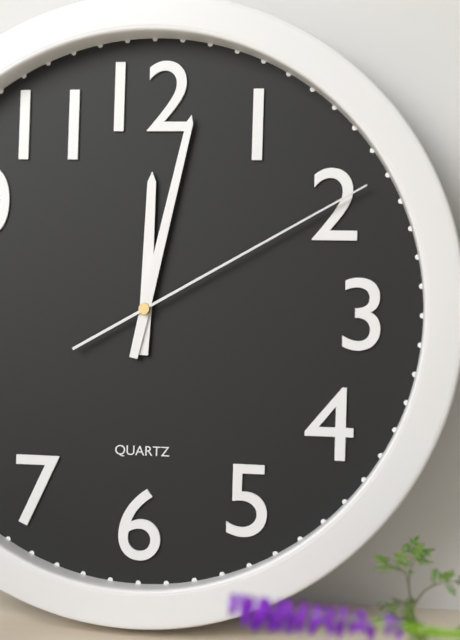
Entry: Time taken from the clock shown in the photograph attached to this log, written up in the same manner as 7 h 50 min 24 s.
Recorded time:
12 h 02 min 10 s
